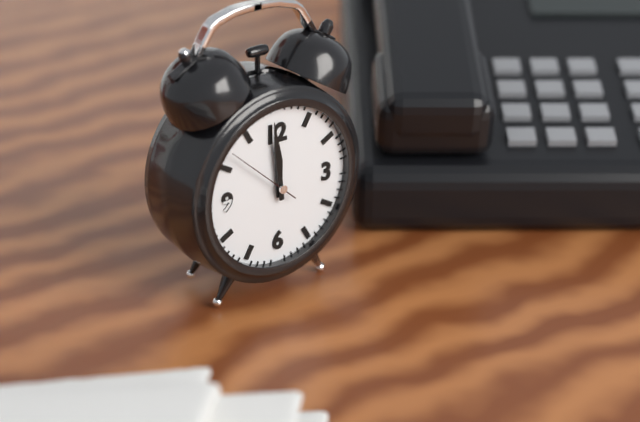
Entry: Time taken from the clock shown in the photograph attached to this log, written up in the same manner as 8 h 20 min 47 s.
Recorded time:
11 h 59 min 52 s
